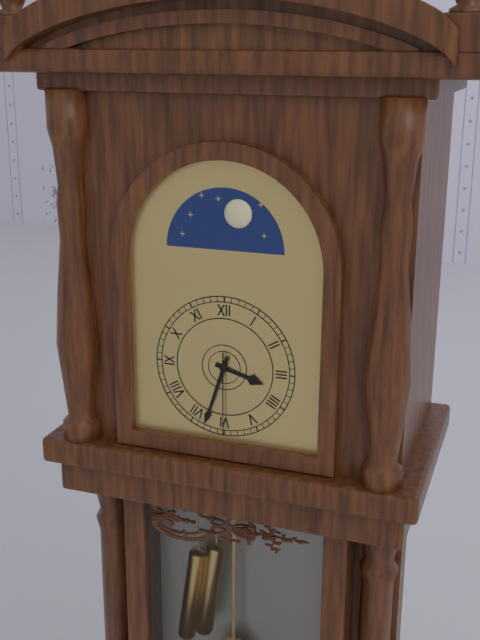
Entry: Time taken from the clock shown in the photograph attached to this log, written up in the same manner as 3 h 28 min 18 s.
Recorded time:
3 h 33 min 30 s
